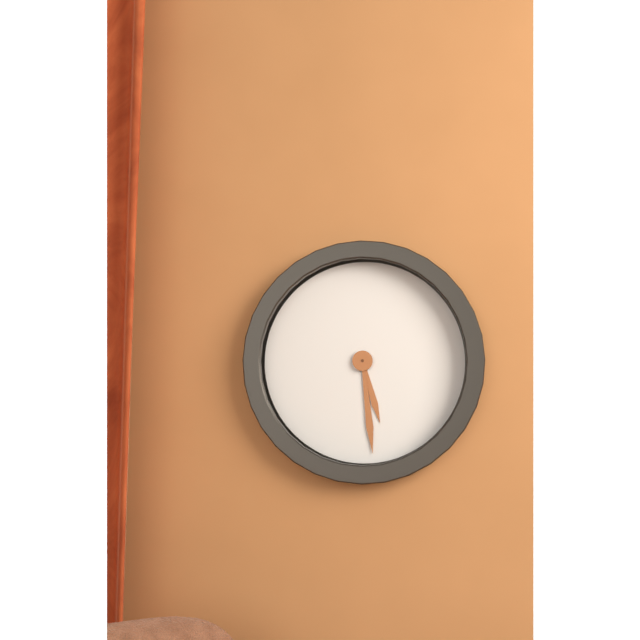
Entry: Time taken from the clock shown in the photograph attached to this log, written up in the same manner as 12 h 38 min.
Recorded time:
5 h 29 min
